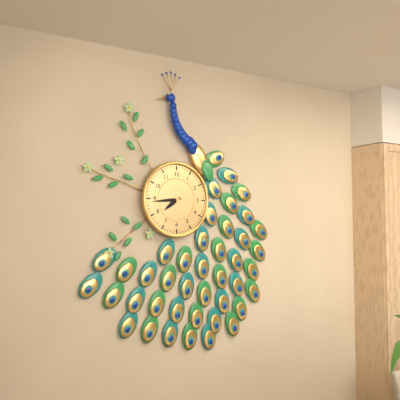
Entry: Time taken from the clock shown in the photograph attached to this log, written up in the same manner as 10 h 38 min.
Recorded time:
7 h 44 min
